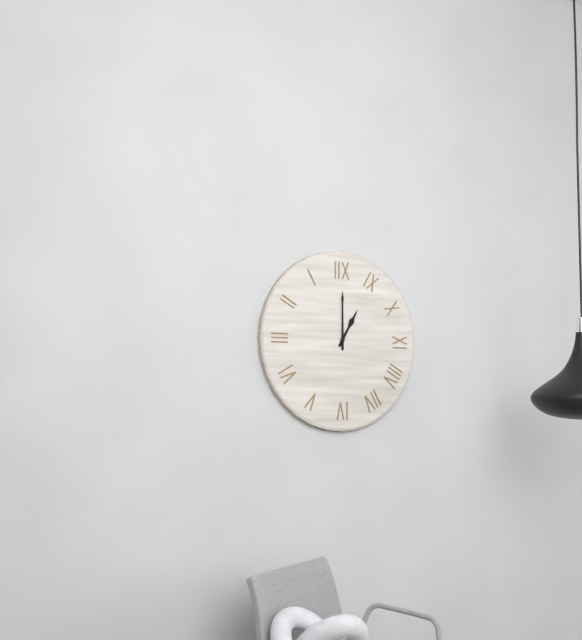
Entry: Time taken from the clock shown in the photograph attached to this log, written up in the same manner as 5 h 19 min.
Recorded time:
1 h 00 min
